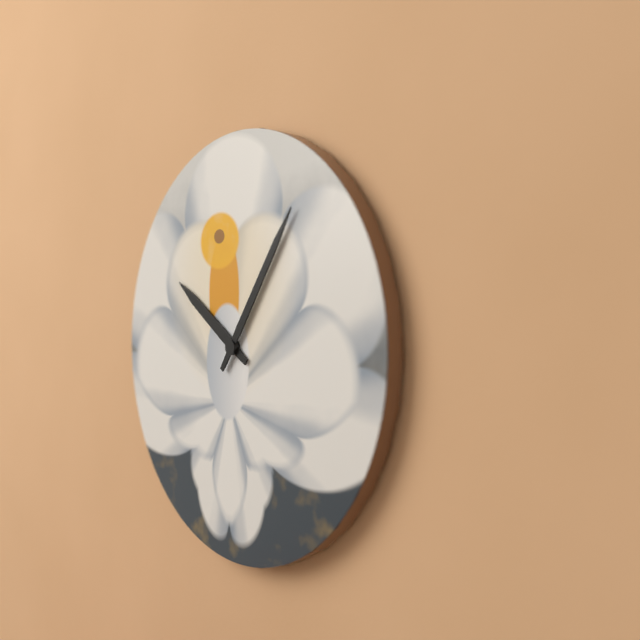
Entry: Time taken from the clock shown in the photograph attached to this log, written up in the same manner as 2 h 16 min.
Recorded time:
10 h 06 min
